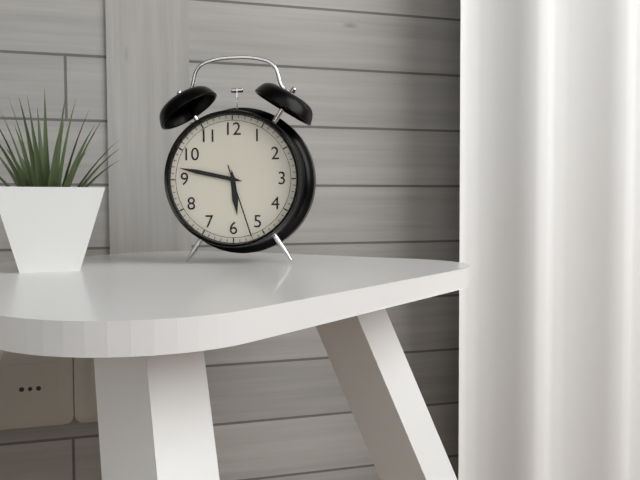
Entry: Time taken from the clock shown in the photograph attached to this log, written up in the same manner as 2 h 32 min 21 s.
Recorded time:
5 h 47 min 27 s
